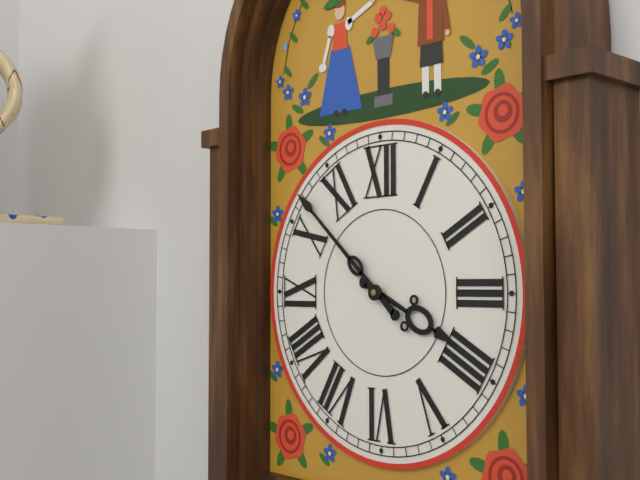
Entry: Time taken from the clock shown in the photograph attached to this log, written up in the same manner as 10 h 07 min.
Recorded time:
3 h 52 min
